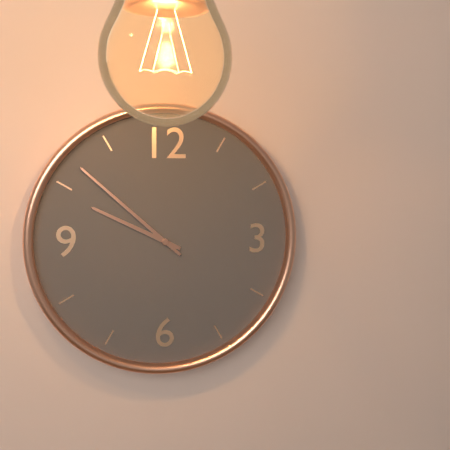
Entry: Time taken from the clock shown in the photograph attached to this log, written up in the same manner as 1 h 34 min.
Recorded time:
9 h 52 min
